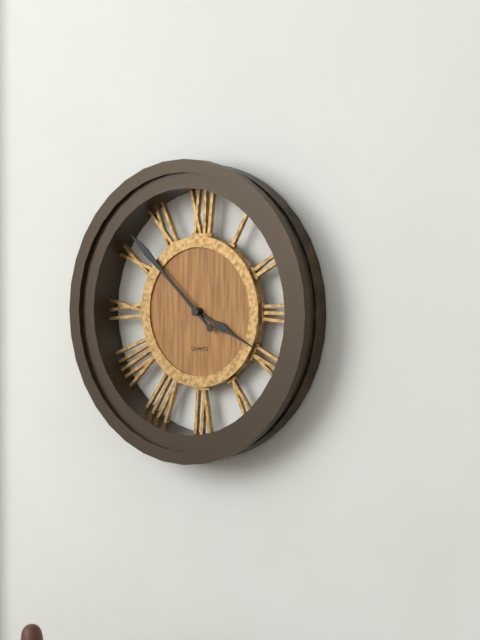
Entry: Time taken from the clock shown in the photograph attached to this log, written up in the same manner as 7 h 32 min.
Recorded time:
3 h 52 min
